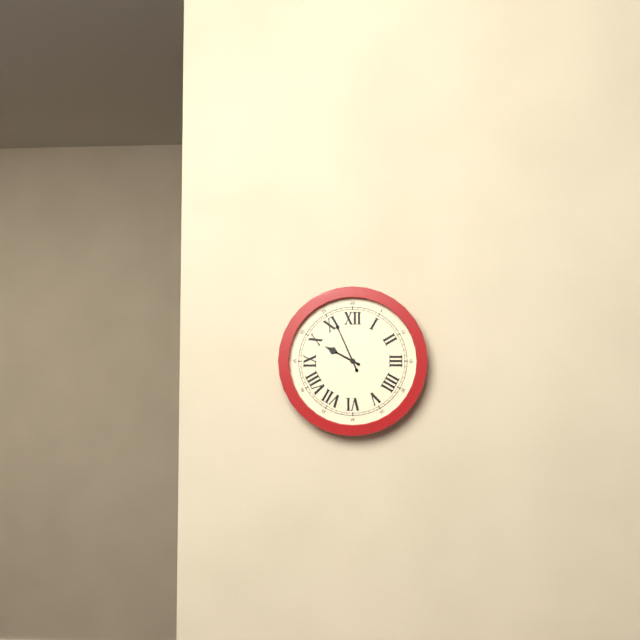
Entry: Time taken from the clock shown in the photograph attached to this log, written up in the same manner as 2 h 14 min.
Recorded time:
9 h 56 min
